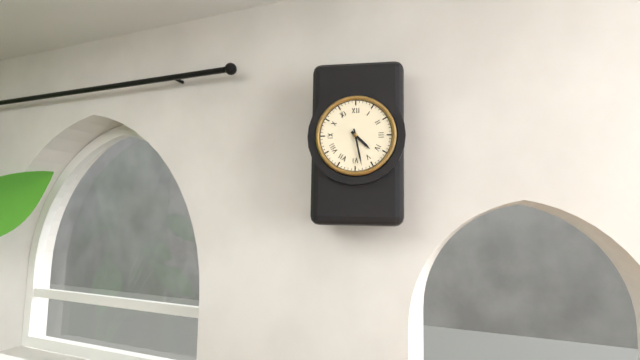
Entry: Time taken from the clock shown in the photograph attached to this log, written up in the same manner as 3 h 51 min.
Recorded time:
4 h 28 min
